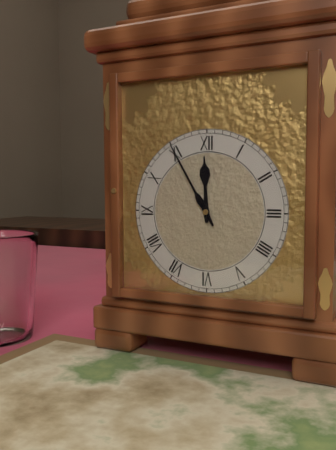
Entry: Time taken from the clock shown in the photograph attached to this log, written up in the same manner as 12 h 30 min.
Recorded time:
11 h 55 min
